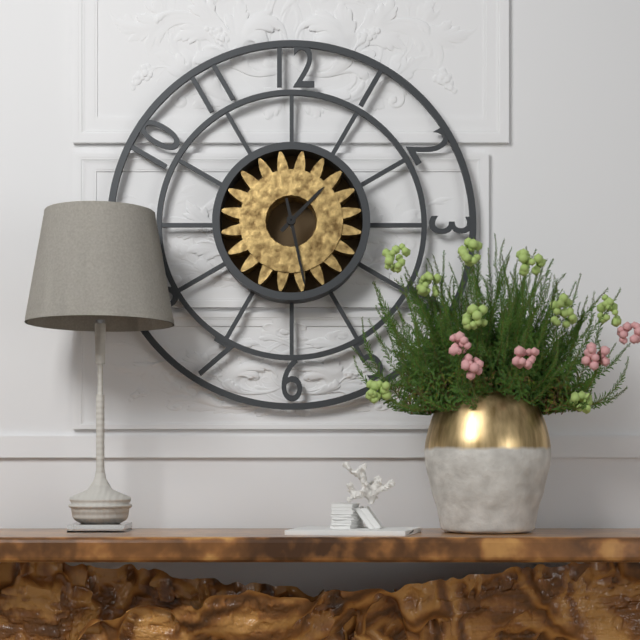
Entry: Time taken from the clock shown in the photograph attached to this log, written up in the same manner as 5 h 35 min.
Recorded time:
1 h 28 min
